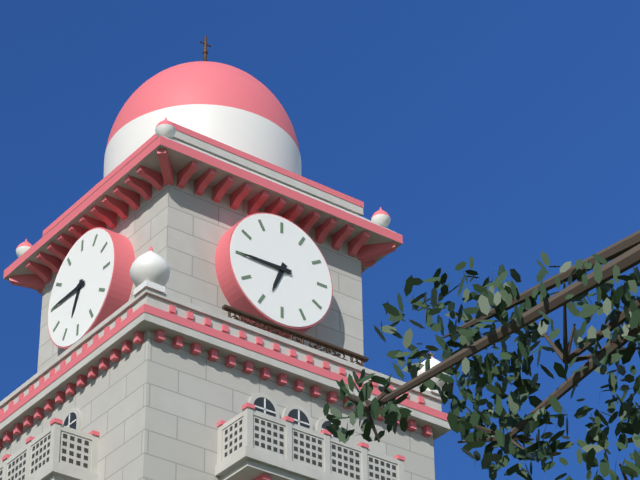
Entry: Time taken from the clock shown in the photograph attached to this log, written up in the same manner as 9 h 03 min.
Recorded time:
6 h 45 min
